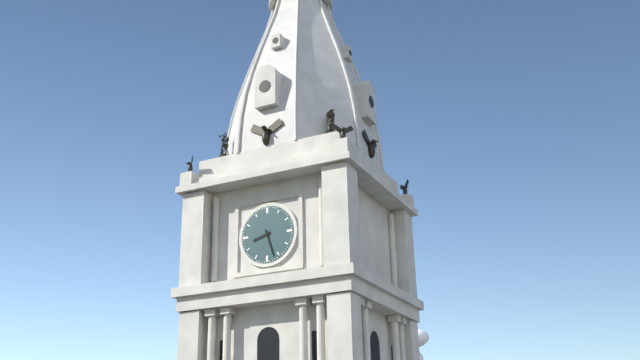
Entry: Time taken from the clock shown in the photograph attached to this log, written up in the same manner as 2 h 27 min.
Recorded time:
8 h 27 min
